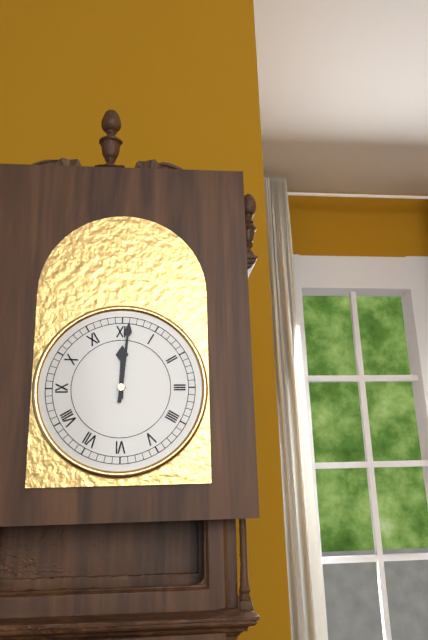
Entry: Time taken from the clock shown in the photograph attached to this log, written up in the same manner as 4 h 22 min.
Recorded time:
12 h 01 min
